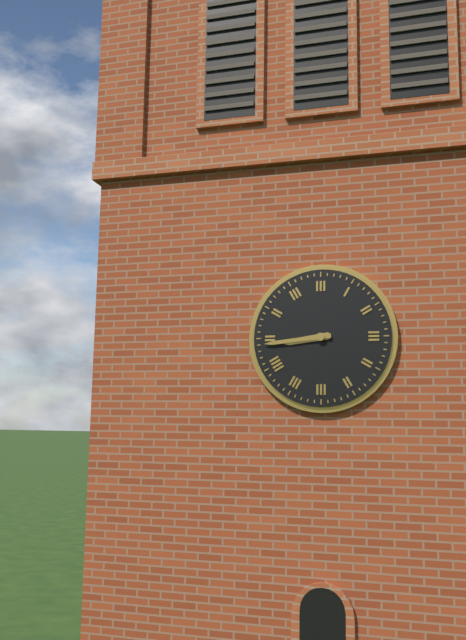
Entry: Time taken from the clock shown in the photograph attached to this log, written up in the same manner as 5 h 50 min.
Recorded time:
8 h 44 min
